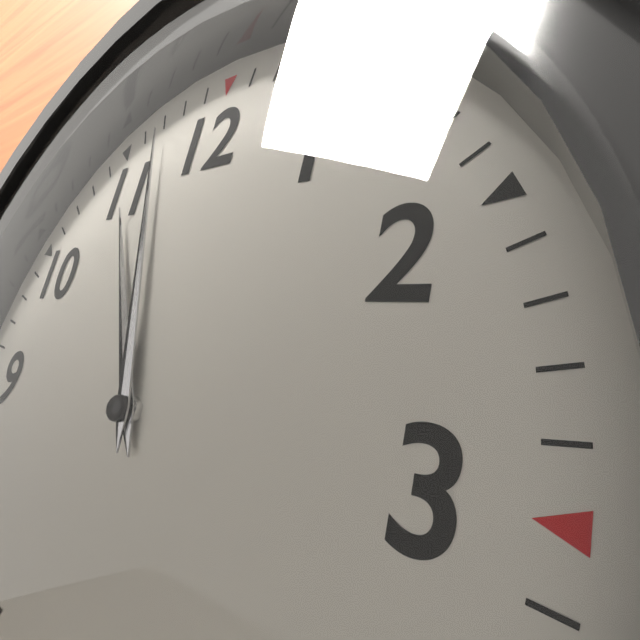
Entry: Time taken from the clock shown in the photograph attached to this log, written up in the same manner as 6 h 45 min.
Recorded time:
10 h 57 min
